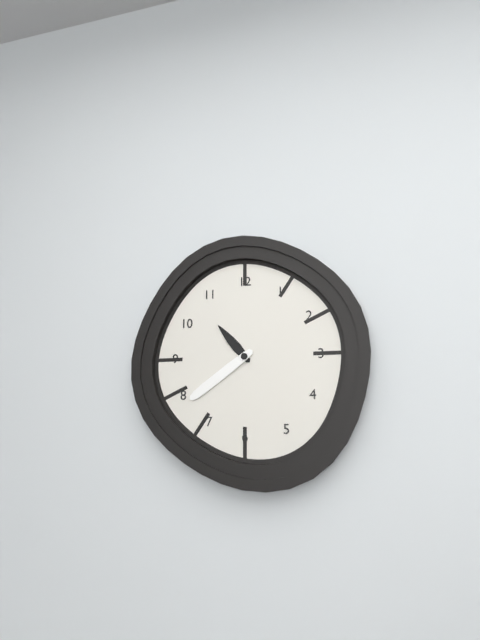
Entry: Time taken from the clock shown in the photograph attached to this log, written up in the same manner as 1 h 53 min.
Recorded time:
10 h 39 min
